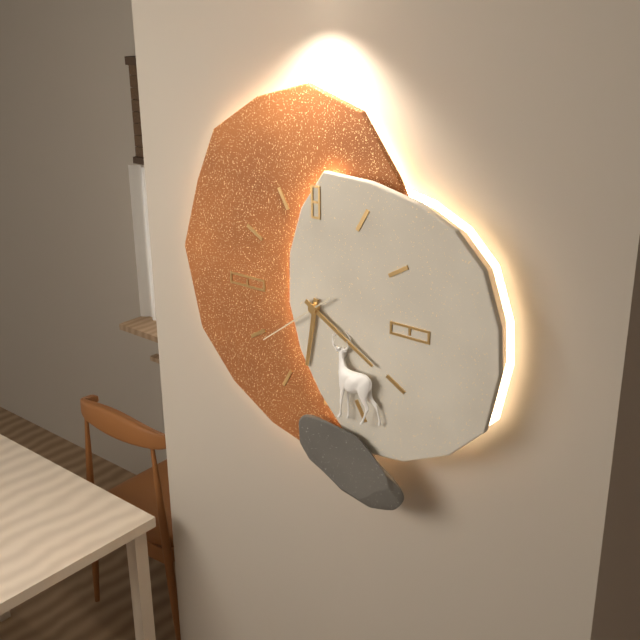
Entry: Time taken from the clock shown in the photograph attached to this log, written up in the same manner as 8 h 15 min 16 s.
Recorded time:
6 h 20 min 39 s
